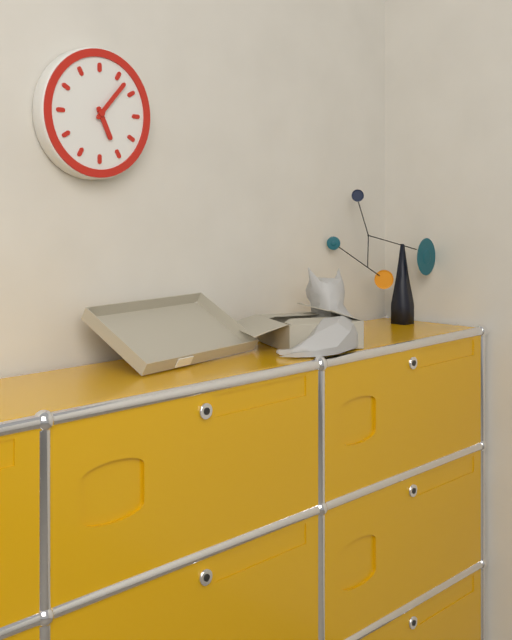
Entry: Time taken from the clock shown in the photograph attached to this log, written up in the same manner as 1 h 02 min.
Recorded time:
5 h 07 min
